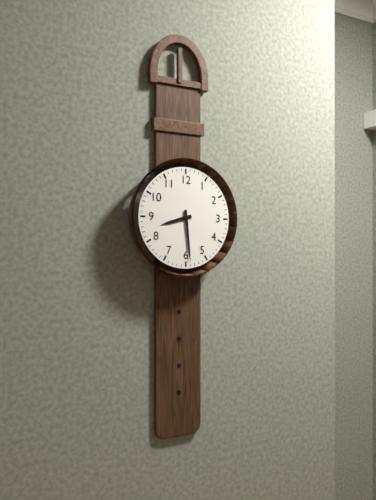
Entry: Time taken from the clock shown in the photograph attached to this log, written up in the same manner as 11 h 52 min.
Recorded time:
8 h 29 min
